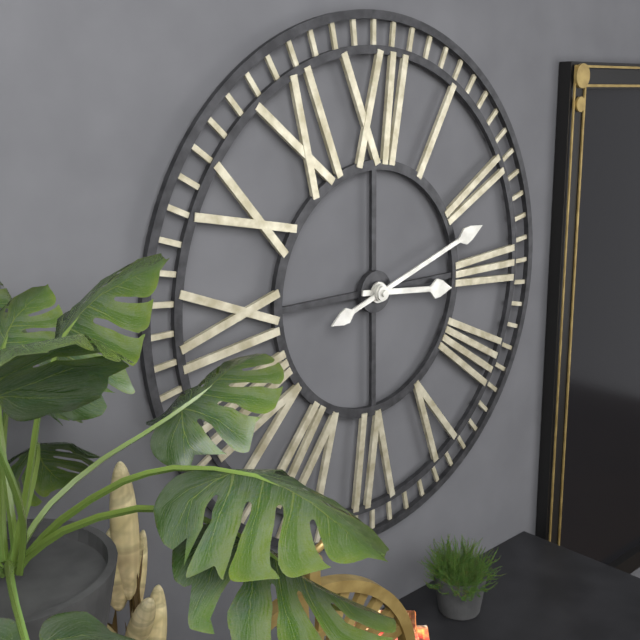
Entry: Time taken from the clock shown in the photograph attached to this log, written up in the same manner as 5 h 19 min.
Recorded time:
3 h 12 min
